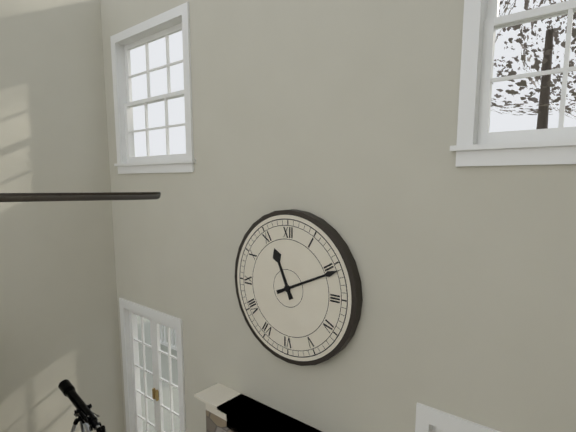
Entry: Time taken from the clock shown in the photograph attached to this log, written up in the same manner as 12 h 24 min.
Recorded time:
11 h 11 min
